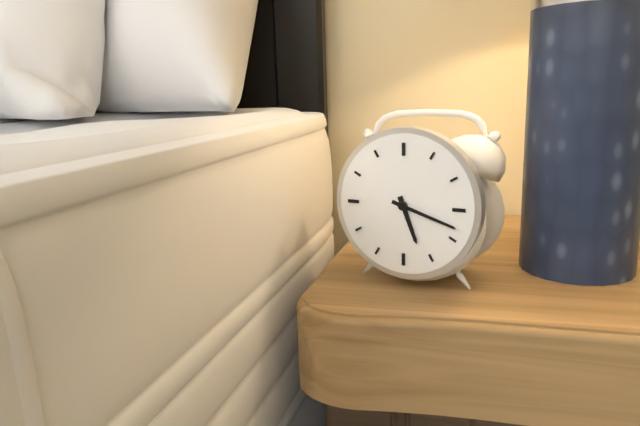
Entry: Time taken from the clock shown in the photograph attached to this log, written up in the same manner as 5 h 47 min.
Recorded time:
5 h 18 min
